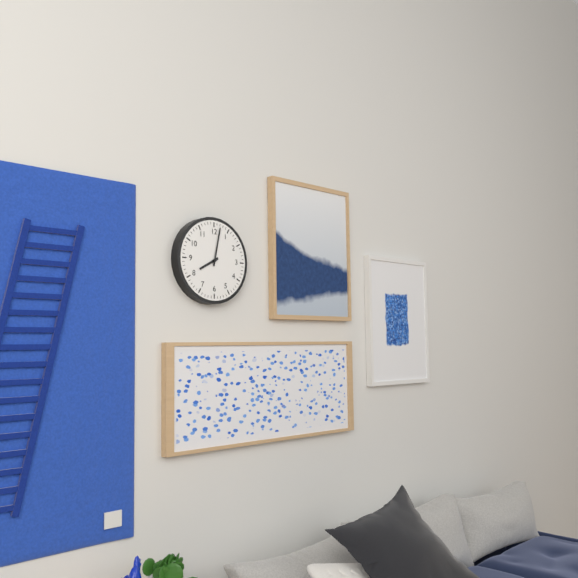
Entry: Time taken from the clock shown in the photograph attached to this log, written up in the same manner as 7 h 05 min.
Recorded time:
8 h 02 min
